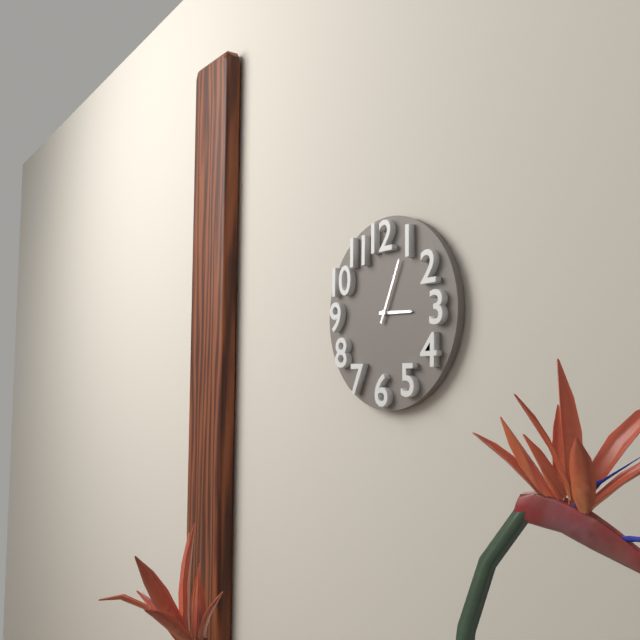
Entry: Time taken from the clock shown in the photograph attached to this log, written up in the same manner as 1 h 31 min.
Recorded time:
3 h 04 min
